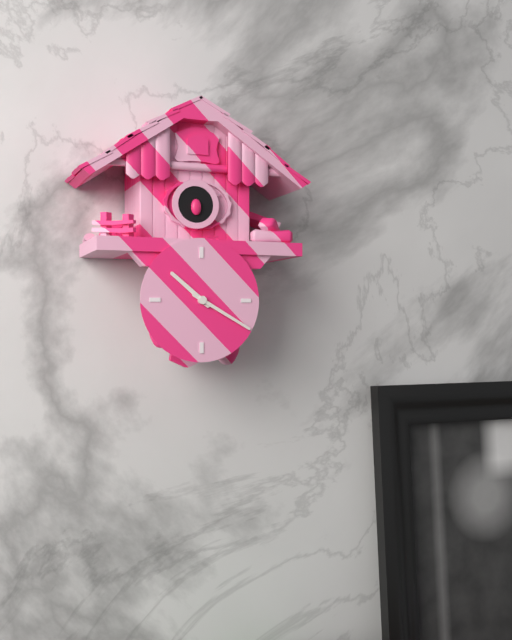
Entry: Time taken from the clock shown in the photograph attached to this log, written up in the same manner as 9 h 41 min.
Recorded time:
10 h 20 min
